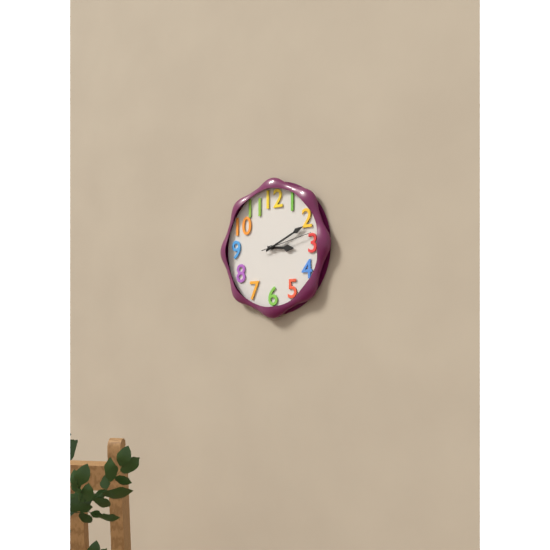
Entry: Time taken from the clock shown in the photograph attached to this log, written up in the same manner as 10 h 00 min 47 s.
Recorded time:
3 h 11 min 13 s
